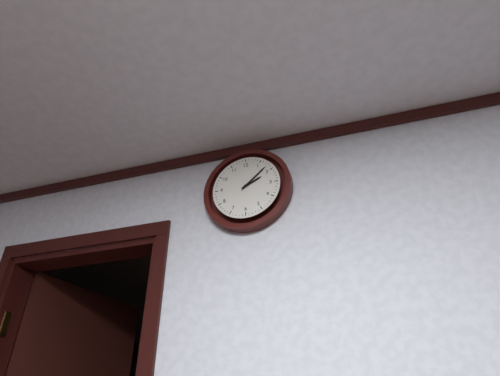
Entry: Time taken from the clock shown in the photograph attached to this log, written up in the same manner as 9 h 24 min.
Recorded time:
2 h 08 min
